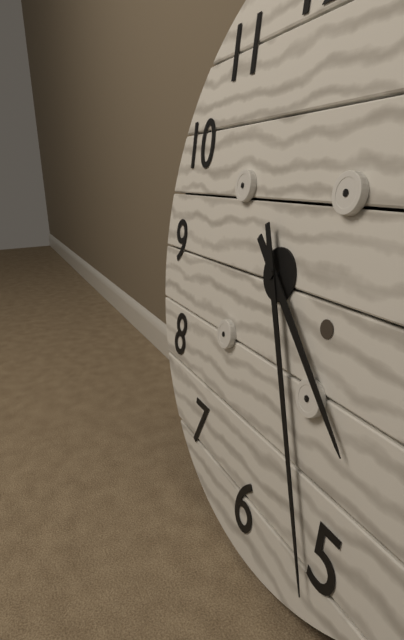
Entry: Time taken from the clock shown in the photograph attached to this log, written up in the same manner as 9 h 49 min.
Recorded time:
4 h 26 min
